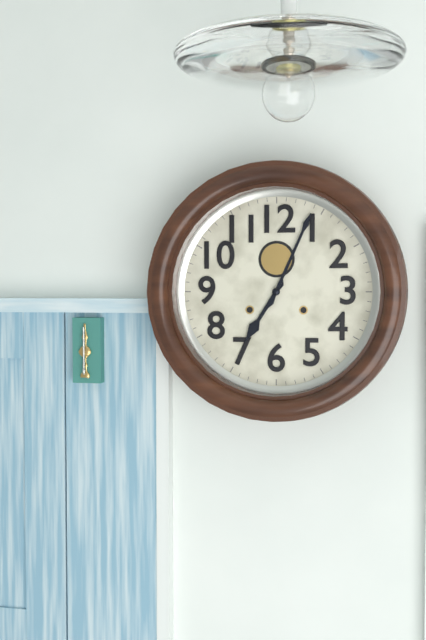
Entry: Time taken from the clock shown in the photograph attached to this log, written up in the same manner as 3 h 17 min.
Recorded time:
7 h 04 min
